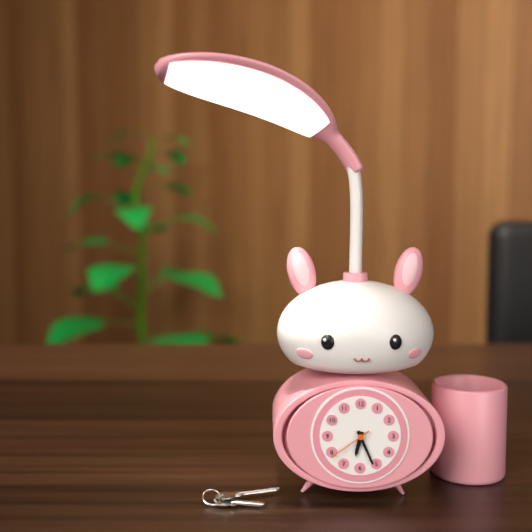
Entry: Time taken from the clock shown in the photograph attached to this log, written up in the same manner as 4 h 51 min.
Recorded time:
6 h 26 min
